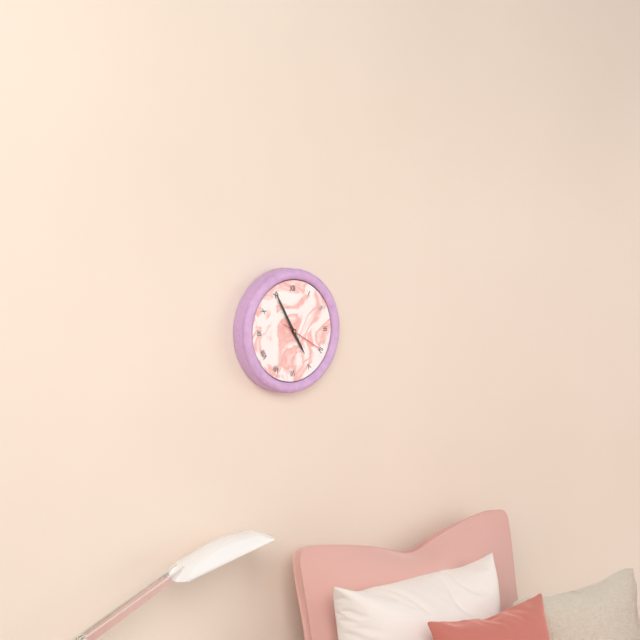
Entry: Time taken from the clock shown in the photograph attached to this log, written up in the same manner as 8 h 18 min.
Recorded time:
4 h 55 min
